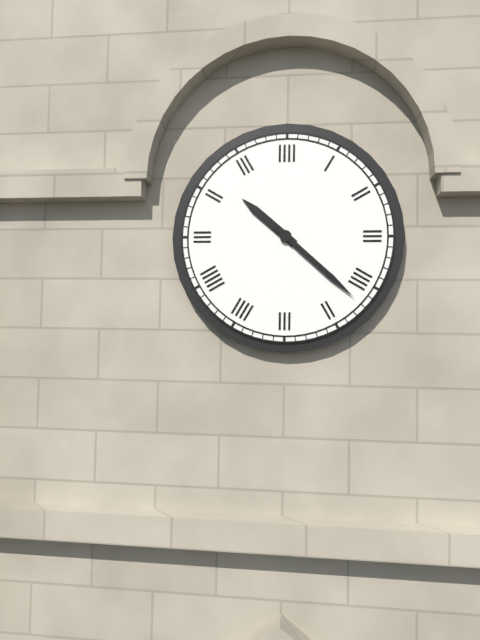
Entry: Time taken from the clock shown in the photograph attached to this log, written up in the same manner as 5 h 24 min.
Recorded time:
10 h 22 min
